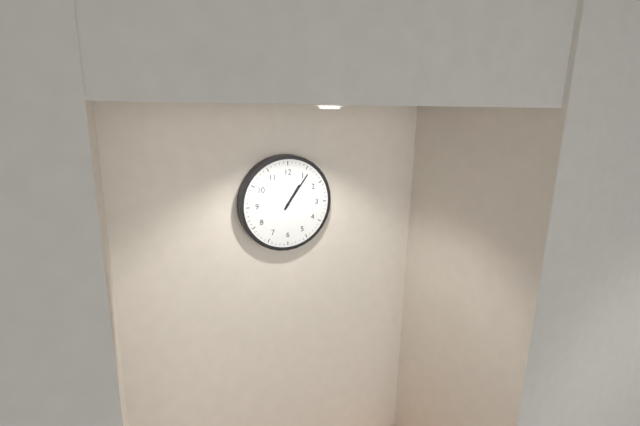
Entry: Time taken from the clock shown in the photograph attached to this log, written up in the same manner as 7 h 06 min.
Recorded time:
1 h 06 min
